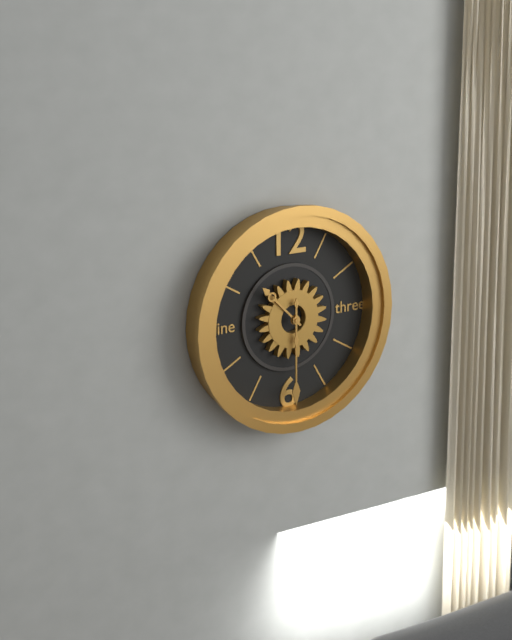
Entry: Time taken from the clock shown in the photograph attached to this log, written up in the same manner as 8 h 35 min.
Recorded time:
10 h 30 min
